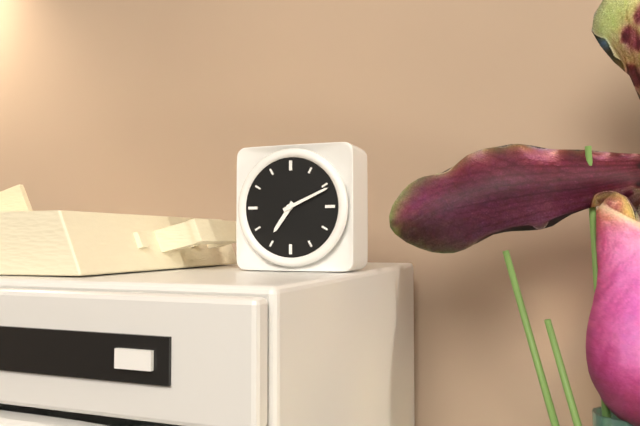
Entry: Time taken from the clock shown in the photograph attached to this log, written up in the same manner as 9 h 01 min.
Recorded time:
7 h 11 min
